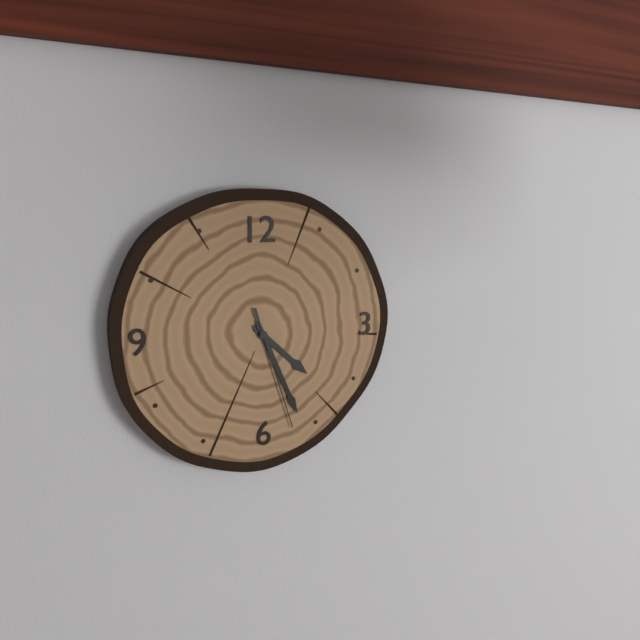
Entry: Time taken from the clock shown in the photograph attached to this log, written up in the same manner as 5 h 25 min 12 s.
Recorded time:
4 h 26 min 27 s
